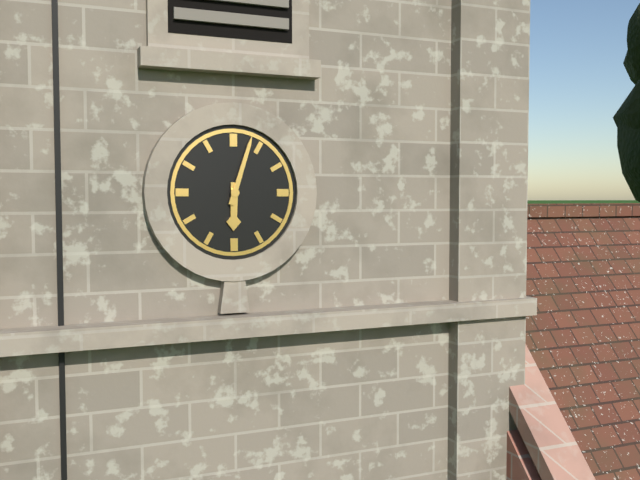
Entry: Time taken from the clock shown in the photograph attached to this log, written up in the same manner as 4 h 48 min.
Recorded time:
6 h 03 min
